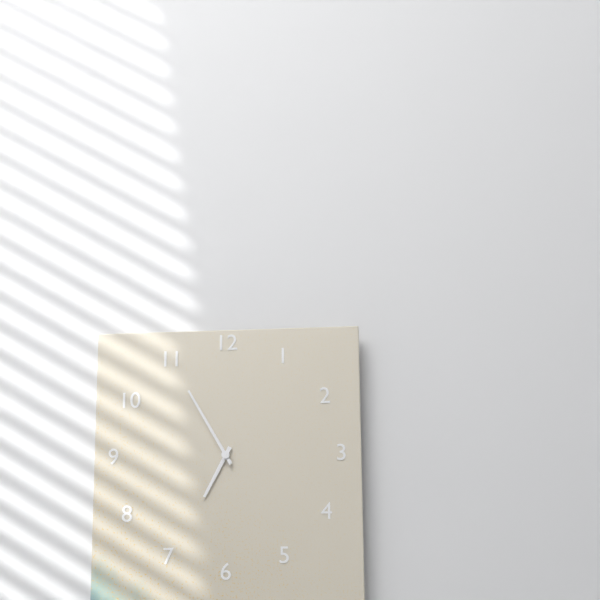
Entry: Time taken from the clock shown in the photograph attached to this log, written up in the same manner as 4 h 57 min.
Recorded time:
6 h 55 min
